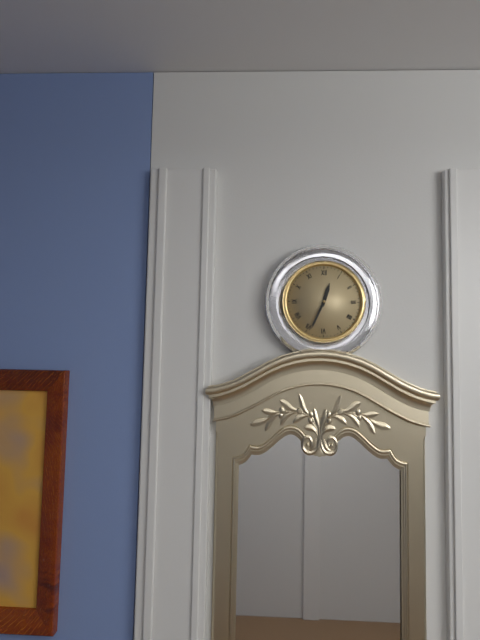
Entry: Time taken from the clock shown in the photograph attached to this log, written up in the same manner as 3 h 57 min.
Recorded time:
12 h 34 min
